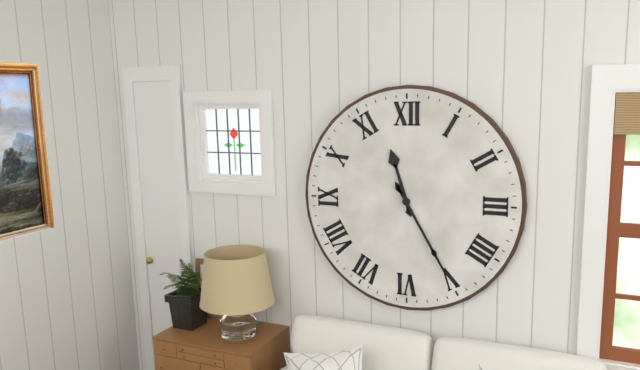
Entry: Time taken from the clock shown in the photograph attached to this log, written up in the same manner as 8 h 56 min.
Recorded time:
11 h 25 min
